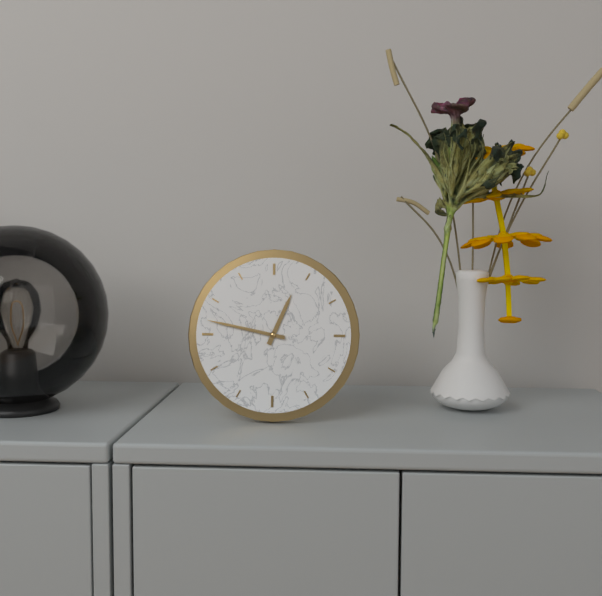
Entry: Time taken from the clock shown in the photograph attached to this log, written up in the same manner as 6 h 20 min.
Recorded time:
12 h 47 min
